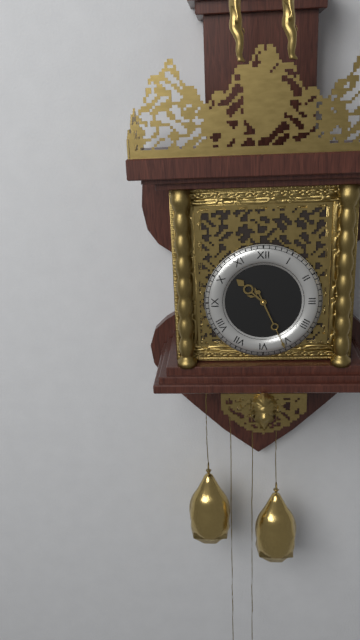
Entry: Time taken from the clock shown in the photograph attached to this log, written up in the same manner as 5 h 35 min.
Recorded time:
10 h 26 min
